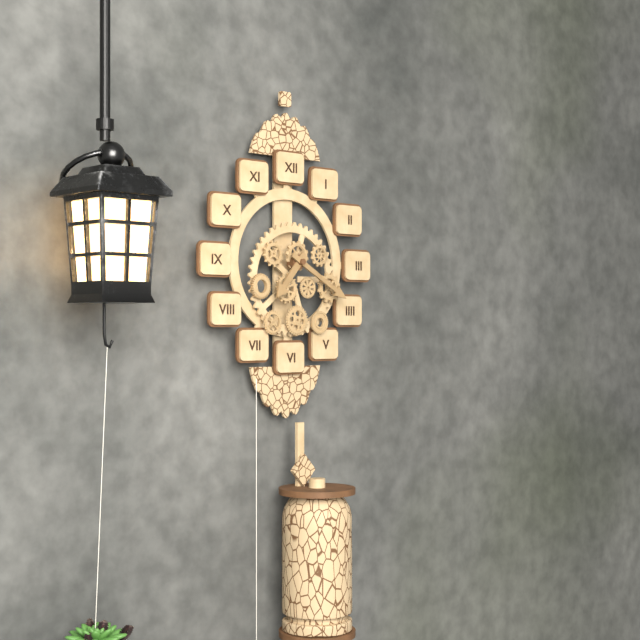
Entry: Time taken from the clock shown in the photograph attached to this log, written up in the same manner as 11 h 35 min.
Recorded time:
7 h 20 min
